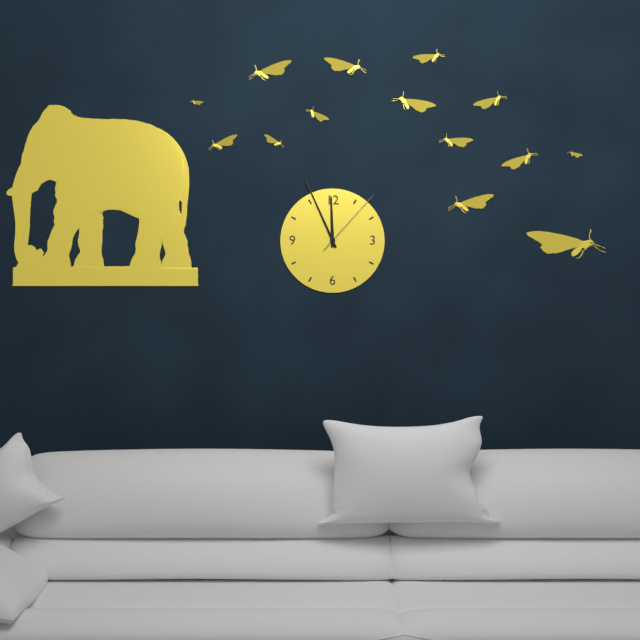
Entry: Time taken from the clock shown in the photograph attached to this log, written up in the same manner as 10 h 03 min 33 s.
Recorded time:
11 h 56 min 07 s
